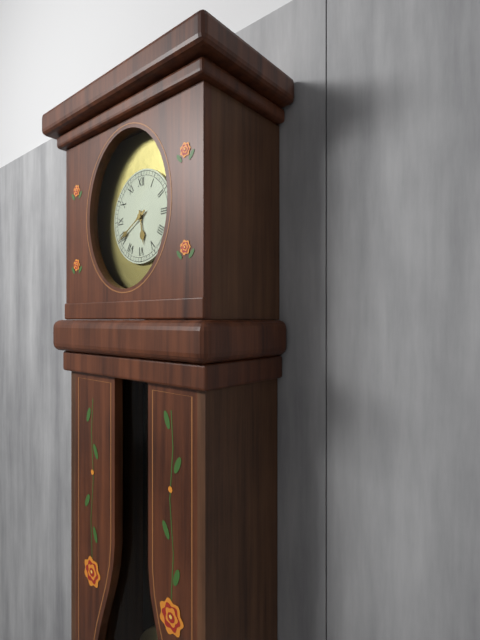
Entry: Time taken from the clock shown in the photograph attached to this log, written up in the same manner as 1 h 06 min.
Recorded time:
5 h 40 min
